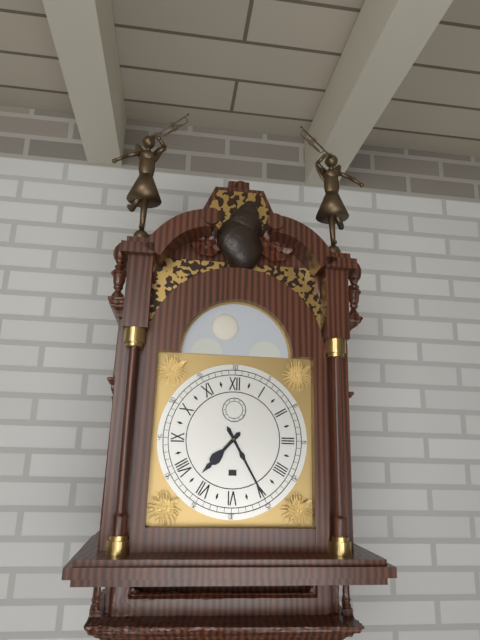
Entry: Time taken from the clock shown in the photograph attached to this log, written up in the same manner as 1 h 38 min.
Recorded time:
7 h 25 min
